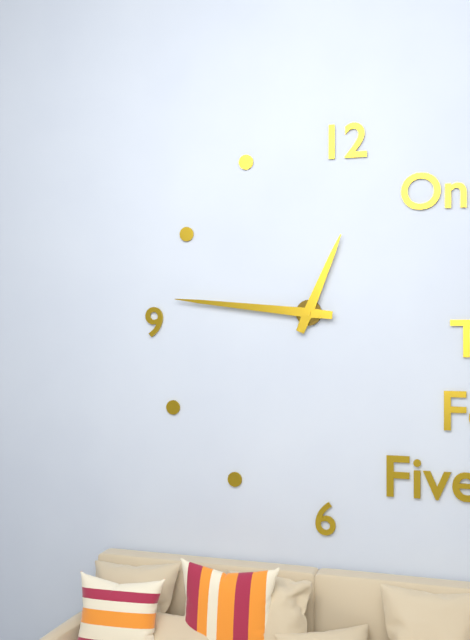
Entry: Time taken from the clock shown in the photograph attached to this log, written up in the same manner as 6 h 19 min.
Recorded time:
12 h 46 min
